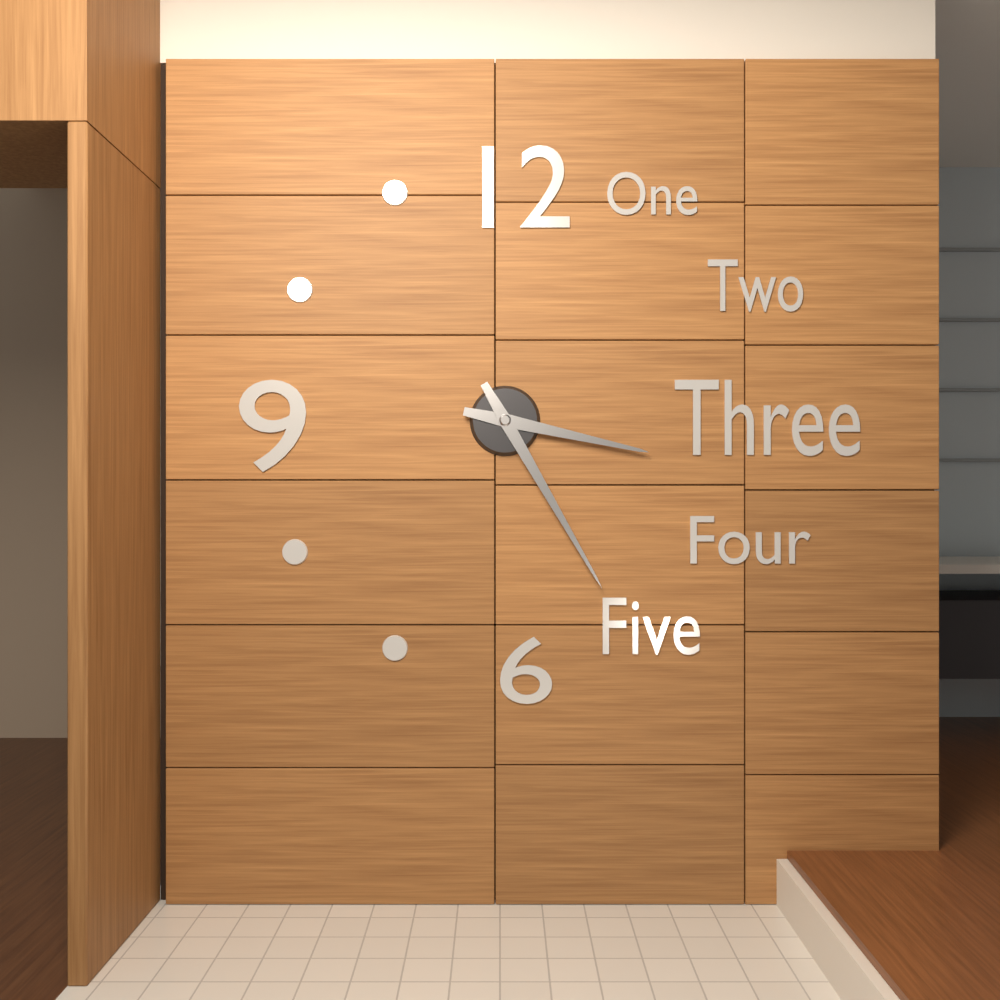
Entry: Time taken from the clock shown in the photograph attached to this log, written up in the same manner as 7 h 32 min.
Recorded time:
3 h 25 min
